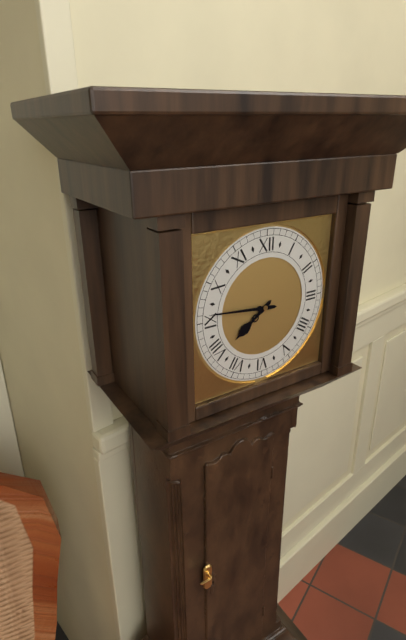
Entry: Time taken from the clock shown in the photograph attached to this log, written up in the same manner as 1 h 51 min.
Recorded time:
7 h 46 min
